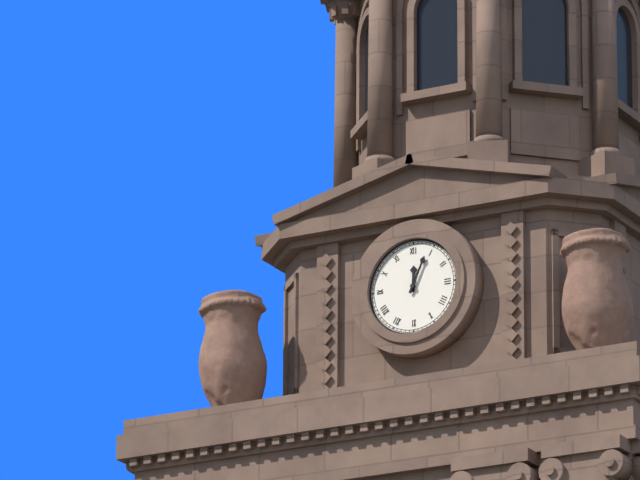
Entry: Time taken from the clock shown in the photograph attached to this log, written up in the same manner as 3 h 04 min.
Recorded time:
12 h 04 min
